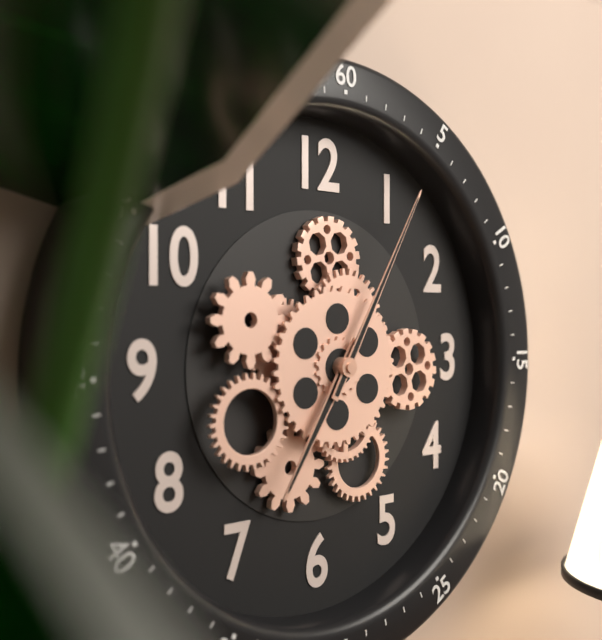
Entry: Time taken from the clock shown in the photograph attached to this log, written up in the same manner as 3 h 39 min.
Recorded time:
7 h 05 min
